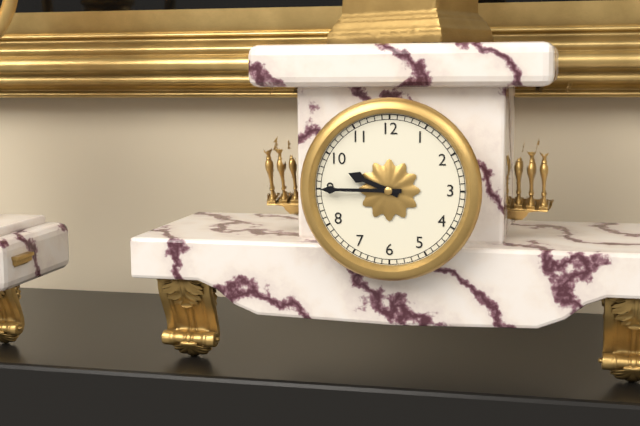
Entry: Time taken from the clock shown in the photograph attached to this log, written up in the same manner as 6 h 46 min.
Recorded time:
9 h 45 min
